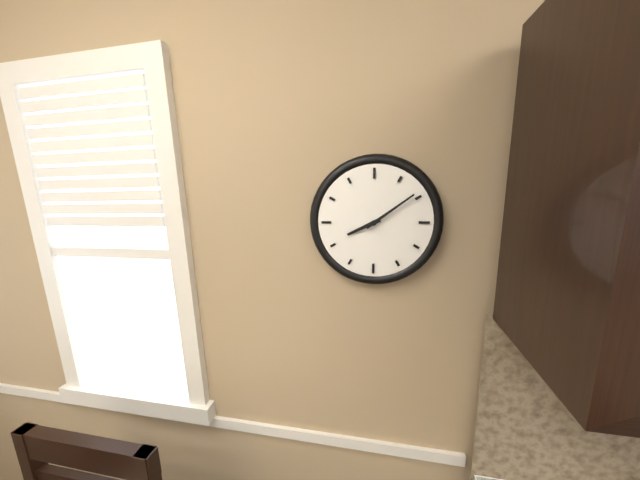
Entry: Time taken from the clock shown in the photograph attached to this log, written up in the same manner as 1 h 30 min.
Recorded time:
8 h 09 min
